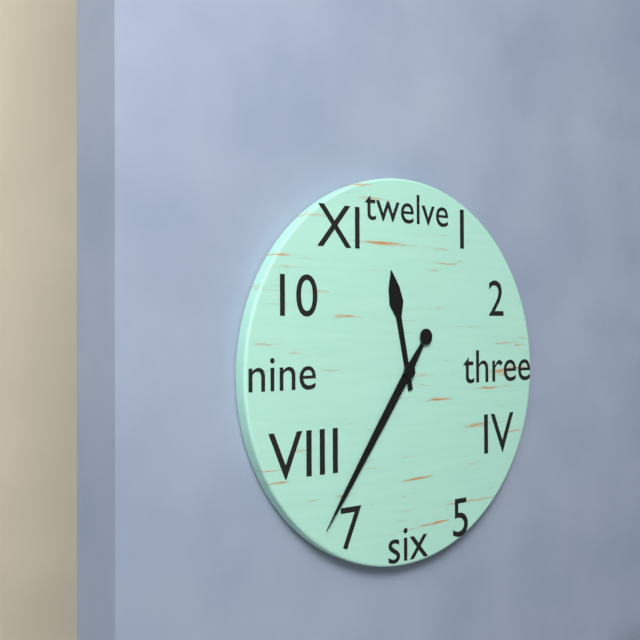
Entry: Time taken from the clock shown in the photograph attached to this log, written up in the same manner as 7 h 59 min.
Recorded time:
11 h 36 min
